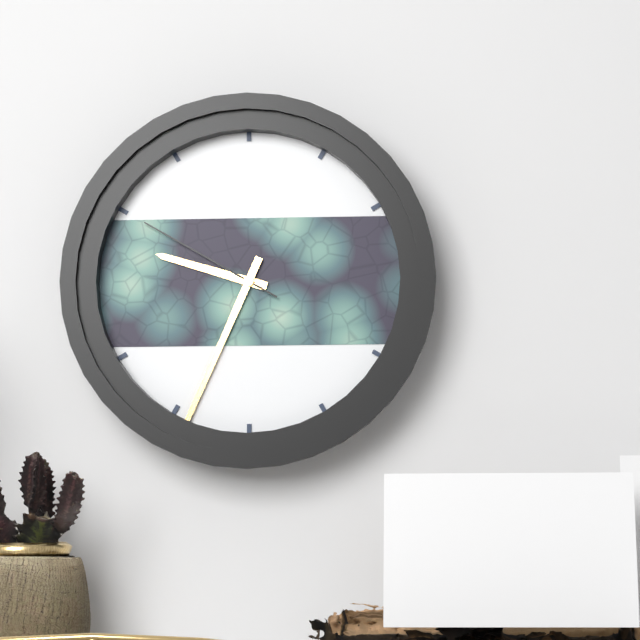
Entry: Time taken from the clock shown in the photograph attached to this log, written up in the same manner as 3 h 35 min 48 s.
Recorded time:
9 h 34 min 50 s
